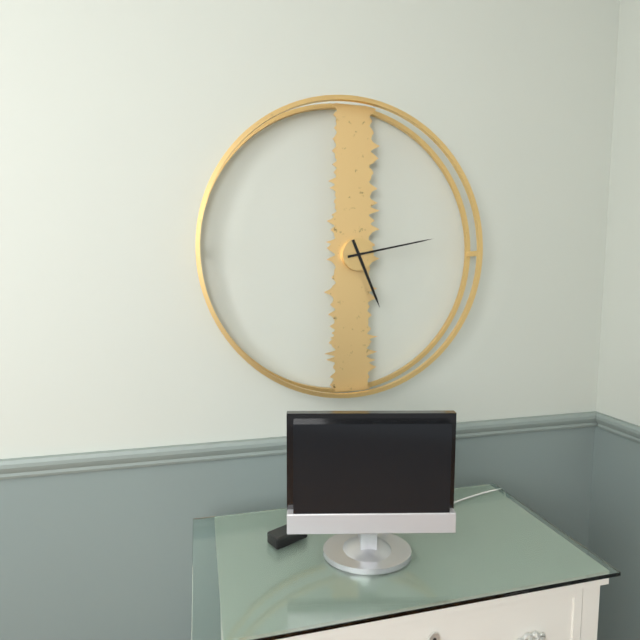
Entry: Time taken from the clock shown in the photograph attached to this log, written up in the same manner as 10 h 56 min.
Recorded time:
5 h 13 min
